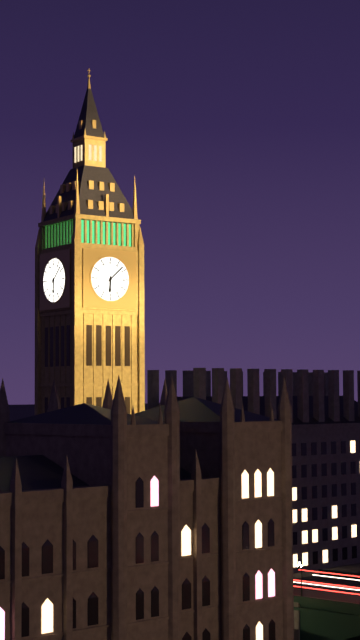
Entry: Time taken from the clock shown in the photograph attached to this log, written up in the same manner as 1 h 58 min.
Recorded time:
6 h 08 min
